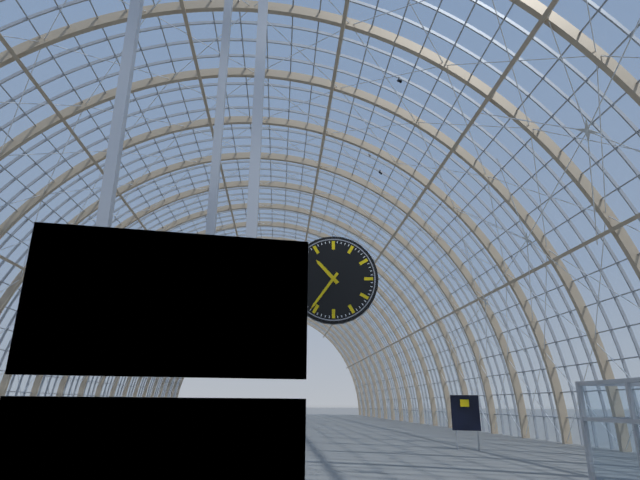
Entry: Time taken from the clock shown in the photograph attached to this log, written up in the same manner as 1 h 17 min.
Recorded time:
10 h 36 min
